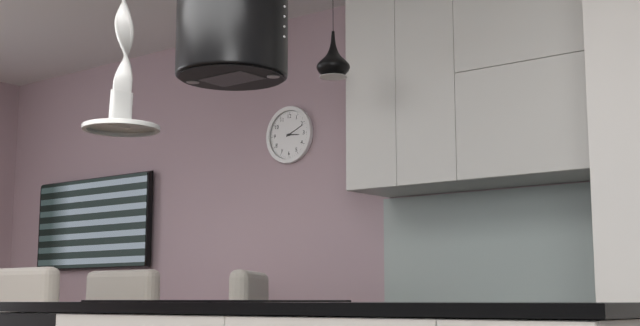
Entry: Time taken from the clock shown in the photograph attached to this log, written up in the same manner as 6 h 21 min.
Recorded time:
3 h 11 min
